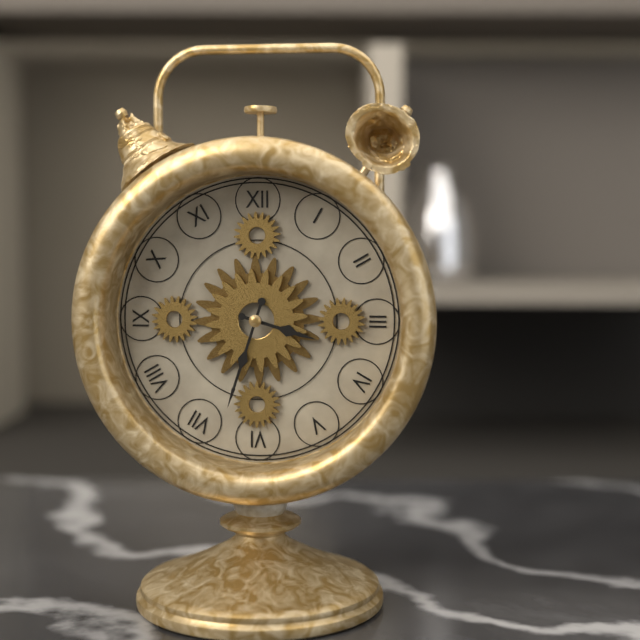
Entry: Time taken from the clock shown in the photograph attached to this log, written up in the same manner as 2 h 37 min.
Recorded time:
3 h 33 min
